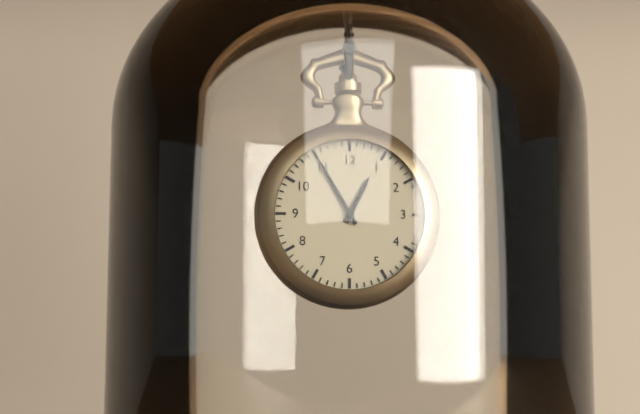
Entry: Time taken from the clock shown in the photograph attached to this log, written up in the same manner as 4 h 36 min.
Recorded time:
12 h 55 min
